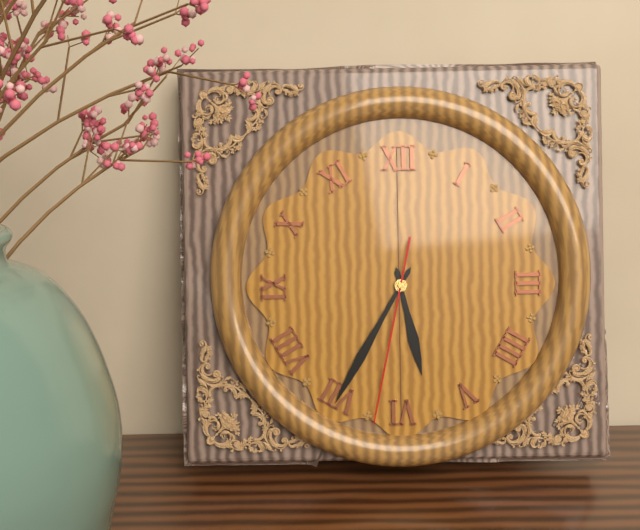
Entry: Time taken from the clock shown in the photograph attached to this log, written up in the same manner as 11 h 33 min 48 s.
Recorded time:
5 h 35 min 32 s
